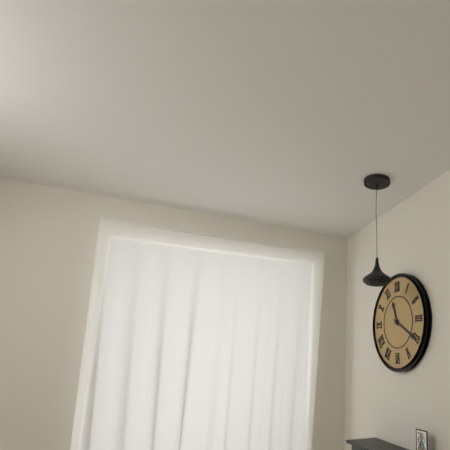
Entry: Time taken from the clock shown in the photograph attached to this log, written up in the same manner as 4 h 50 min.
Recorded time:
11 h 20 min
